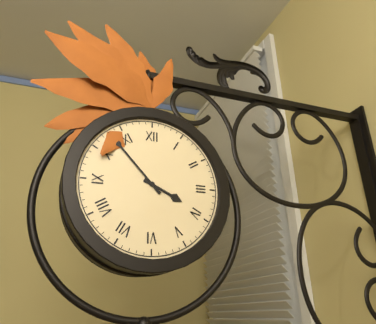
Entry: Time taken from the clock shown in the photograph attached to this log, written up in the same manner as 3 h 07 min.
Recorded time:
3 h 53 min
